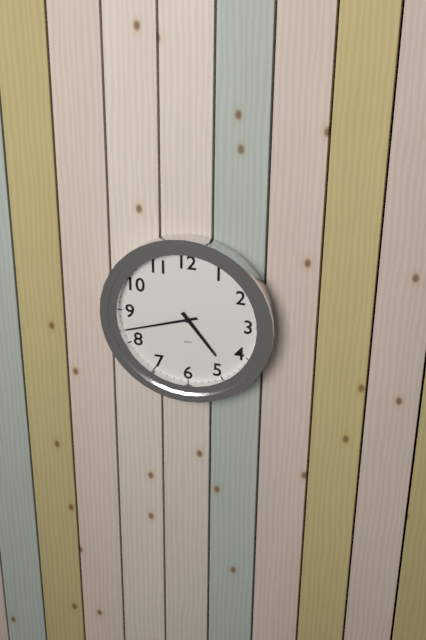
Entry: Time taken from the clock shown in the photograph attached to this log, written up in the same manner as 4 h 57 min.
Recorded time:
4 h 42 min
